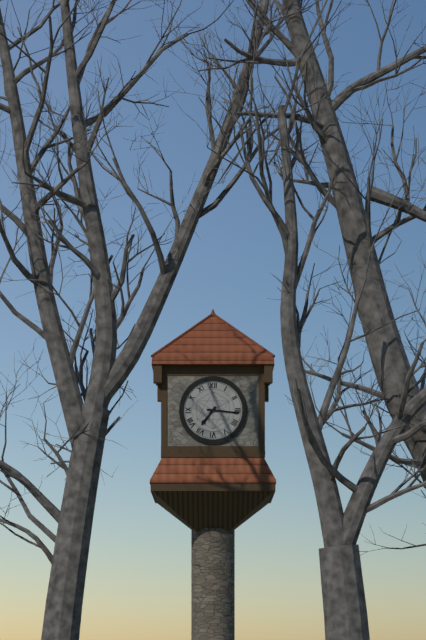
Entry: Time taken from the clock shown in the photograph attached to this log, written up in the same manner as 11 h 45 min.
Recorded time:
7 h 16 min
